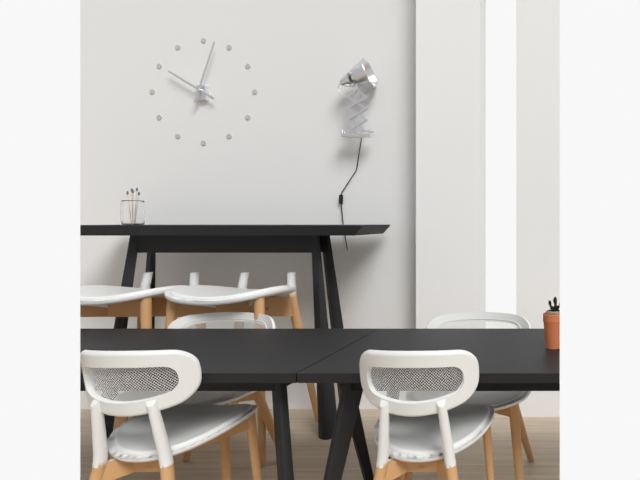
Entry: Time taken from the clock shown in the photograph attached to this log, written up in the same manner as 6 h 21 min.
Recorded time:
10 h 03 min
